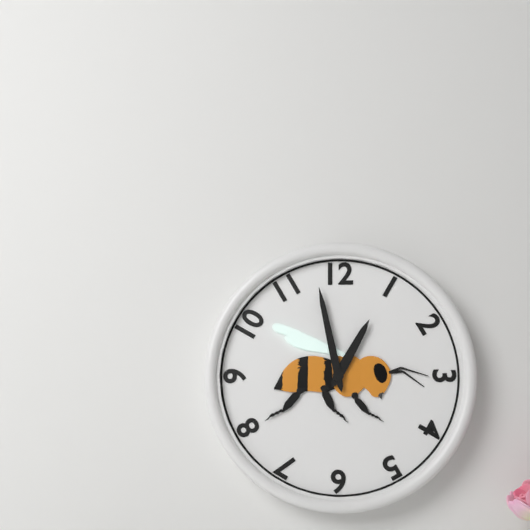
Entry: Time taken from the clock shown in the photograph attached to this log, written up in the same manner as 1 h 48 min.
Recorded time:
12 h 58 min
